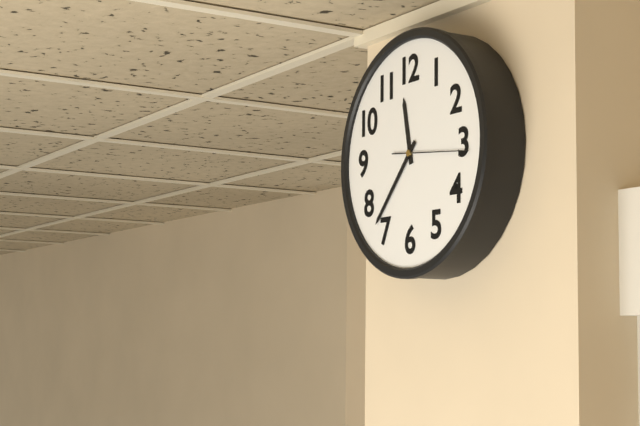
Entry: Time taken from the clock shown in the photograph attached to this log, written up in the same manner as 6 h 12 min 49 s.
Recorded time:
11 h 37 min 16 s
